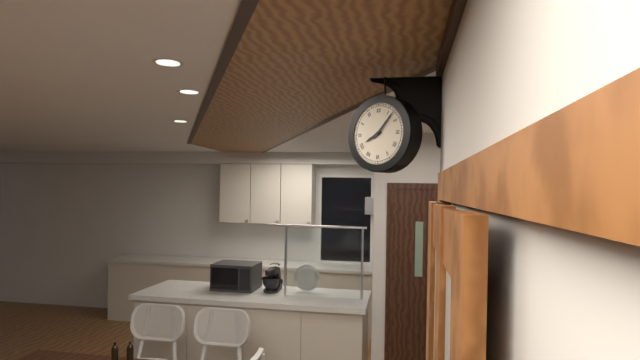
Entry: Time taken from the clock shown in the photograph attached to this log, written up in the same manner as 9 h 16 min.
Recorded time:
8 h 07 min
